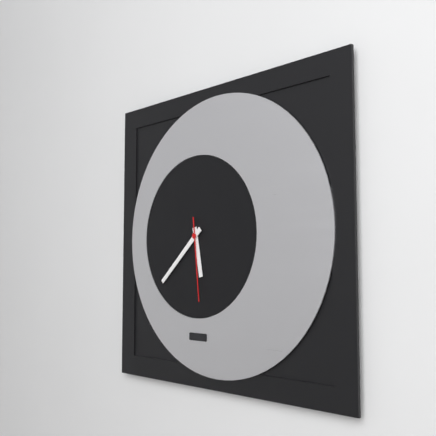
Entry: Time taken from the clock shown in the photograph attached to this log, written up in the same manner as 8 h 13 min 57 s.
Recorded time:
5 h 38 min 29 s
